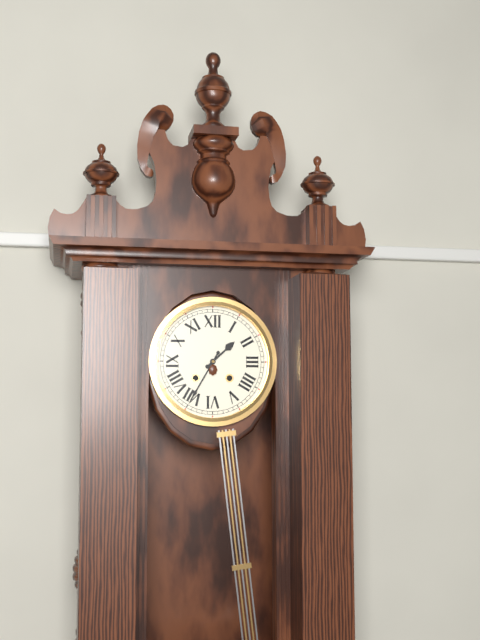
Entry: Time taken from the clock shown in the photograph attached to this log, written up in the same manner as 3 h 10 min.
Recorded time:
1 h 35 min
